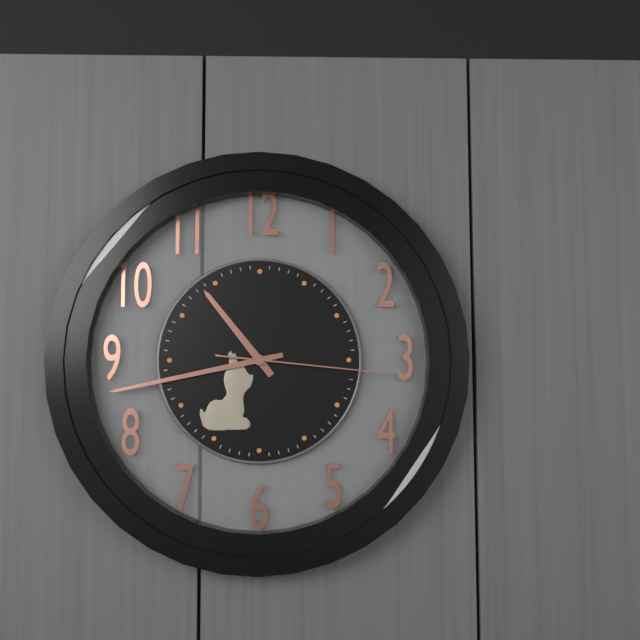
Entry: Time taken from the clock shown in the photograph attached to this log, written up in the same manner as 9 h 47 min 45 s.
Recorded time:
10 h 43 min 16 s
